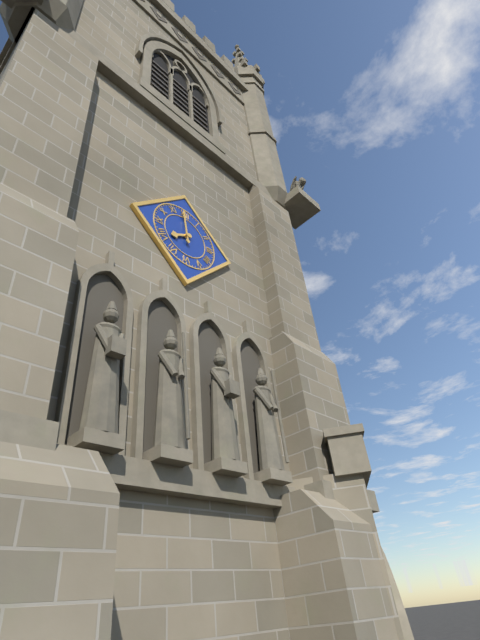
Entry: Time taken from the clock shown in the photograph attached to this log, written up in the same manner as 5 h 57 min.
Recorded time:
7 h 59 min
